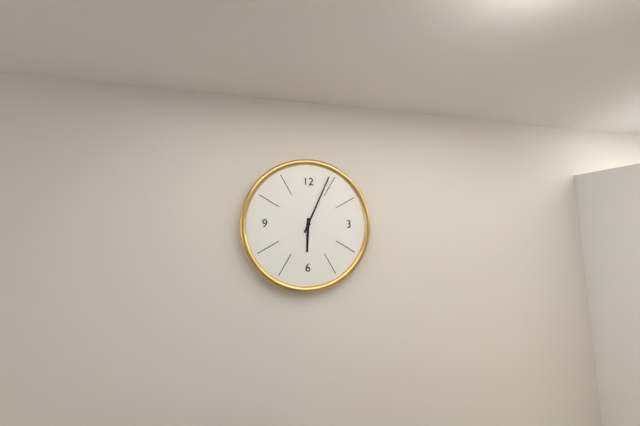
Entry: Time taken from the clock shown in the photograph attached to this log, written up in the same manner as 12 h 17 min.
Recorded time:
6 h 04 min
